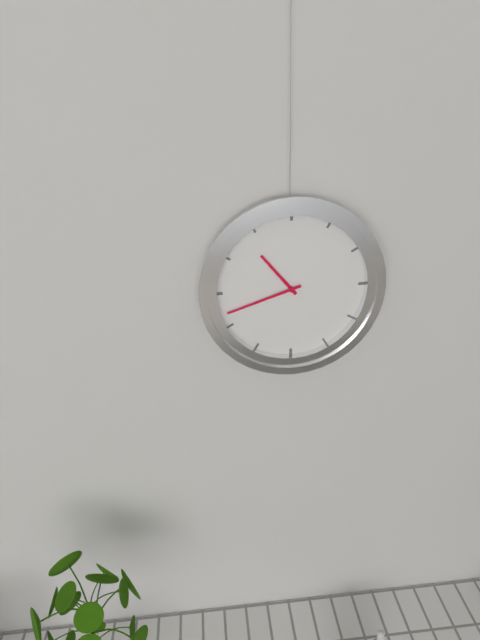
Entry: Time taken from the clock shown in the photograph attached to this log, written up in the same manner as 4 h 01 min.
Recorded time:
10 h 42 min
